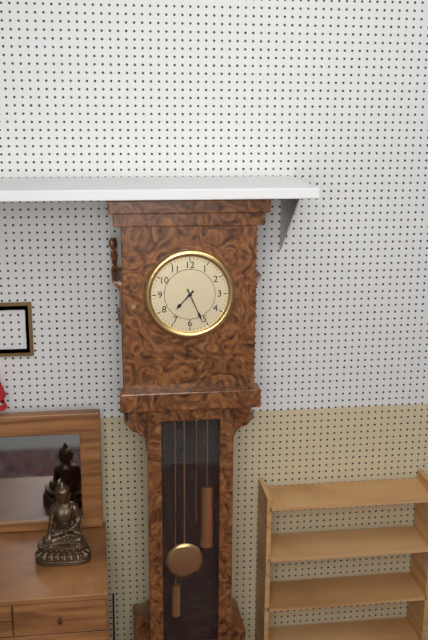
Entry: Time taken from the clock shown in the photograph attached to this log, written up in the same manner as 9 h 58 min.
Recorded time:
7 h 26 min
